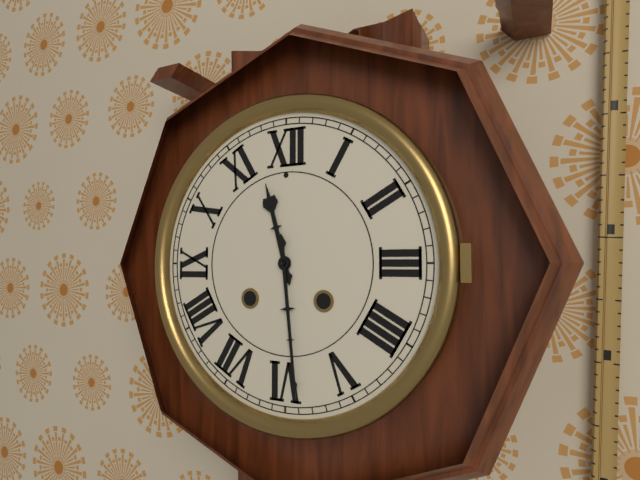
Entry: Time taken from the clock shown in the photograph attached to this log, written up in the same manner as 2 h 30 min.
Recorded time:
11 h 29 min
